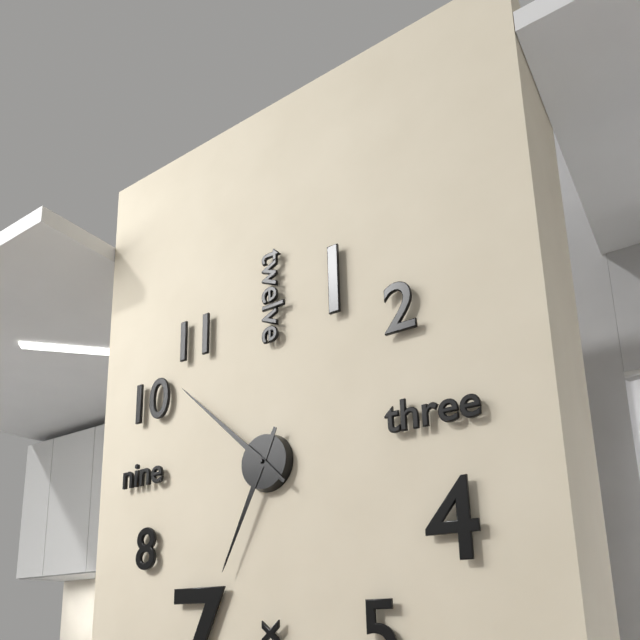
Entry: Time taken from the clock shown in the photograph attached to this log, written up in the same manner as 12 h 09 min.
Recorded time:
6 h 52 min
